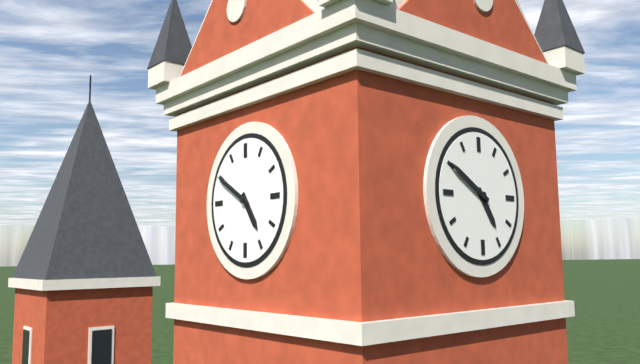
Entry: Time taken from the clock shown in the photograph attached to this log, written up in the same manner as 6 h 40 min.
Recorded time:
4 h 50 min
